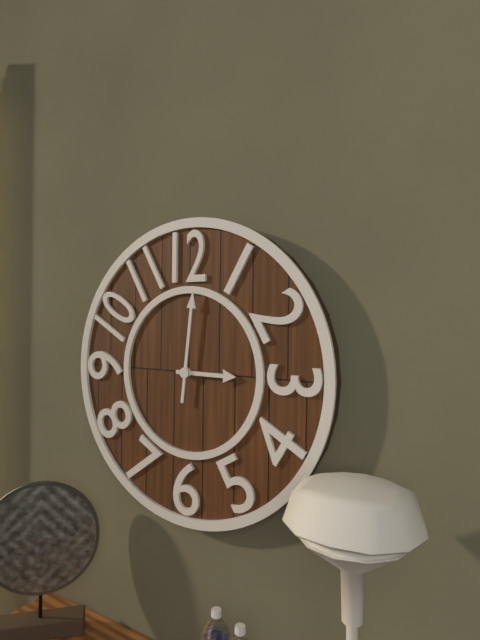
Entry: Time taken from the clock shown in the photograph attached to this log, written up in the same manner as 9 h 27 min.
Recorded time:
3 h 01 min
